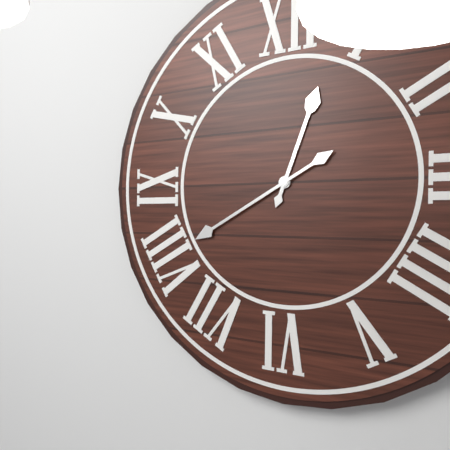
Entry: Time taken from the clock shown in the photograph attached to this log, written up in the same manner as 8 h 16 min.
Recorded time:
12 h 40 min
